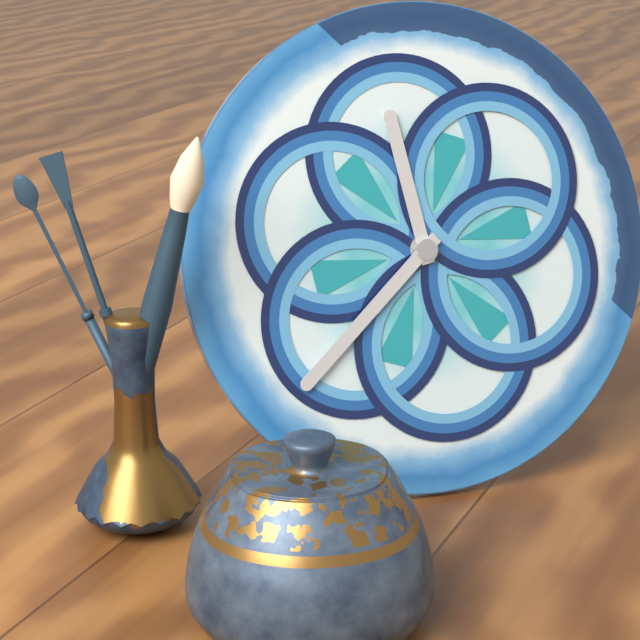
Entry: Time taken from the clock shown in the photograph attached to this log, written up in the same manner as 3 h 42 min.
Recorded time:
11 h 38 min
